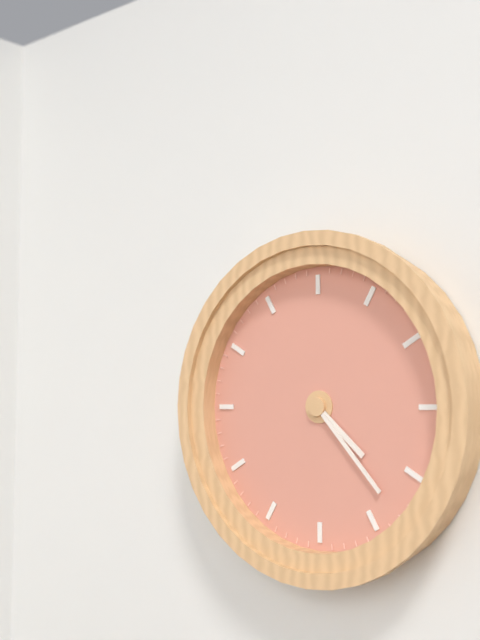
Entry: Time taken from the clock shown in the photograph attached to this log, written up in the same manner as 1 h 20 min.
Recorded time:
4 h 23 min
